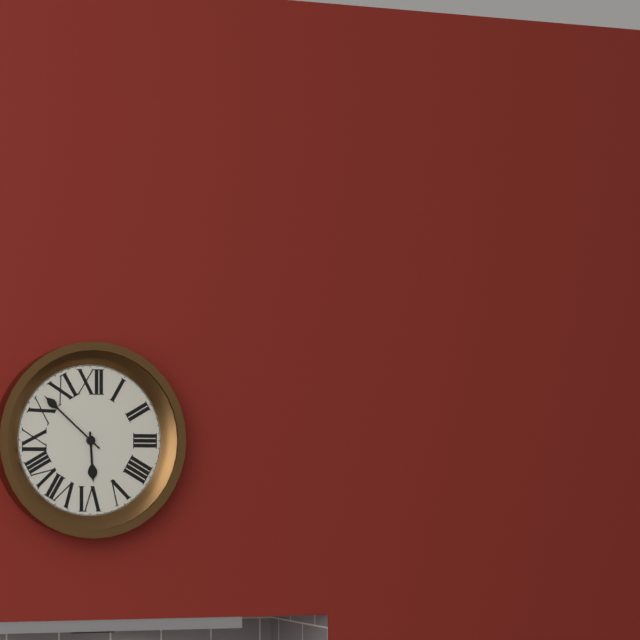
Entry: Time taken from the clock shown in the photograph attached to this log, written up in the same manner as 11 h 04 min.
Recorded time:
5 h 52 min
